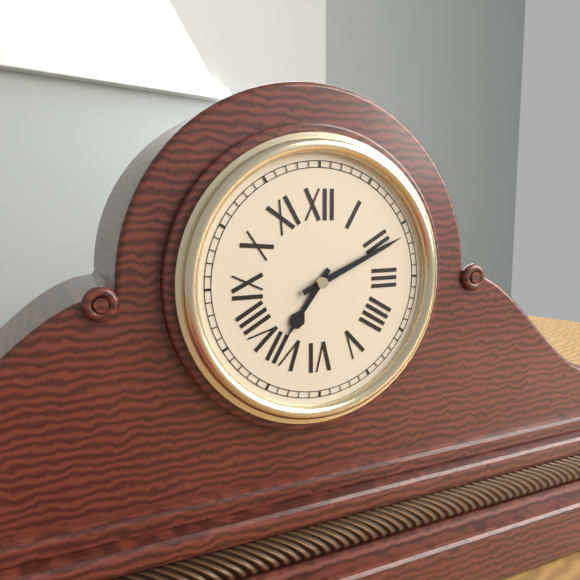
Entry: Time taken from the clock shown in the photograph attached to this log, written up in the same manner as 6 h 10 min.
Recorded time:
7 h 11 min
